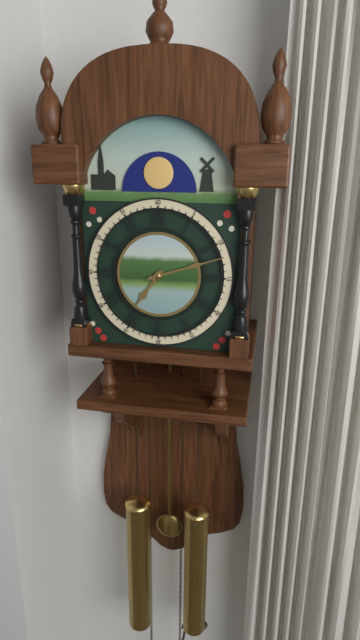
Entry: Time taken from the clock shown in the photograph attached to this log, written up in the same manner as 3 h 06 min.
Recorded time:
7 h 12 min
